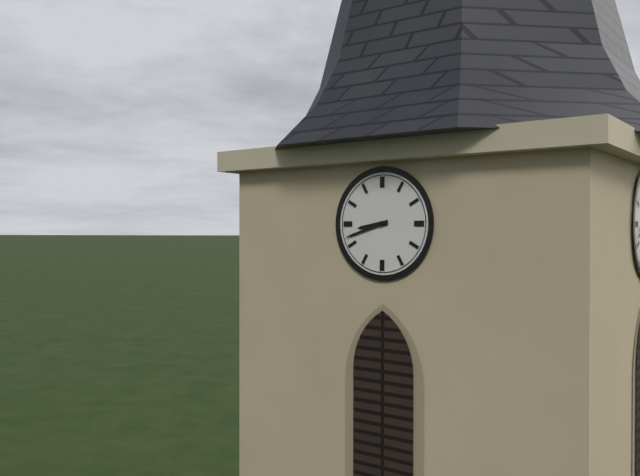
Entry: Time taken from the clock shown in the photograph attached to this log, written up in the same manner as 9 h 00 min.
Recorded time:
8 h 42 min
